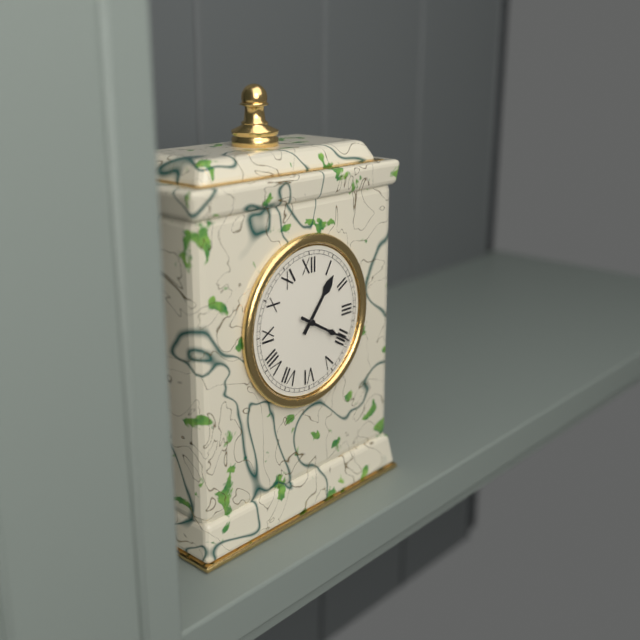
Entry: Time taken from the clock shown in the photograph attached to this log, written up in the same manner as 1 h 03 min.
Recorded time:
1 h 20 min
